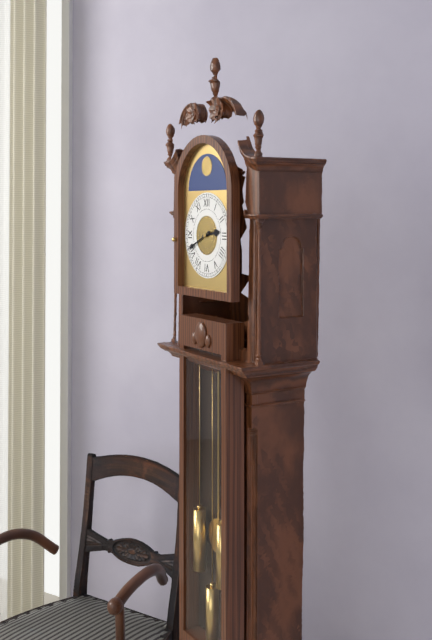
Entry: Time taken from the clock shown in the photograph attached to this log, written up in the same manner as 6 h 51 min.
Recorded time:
2 h 41 min
